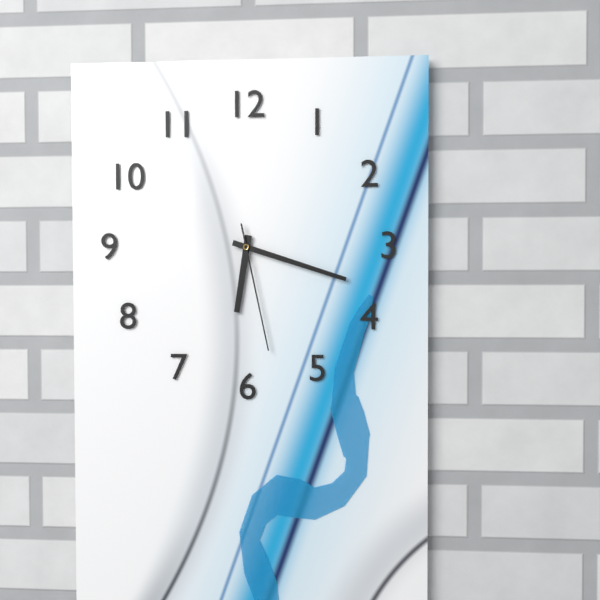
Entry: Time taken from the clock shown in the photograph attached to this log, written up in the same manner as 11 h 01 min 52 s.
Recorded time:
6 h 18 min 28 s
